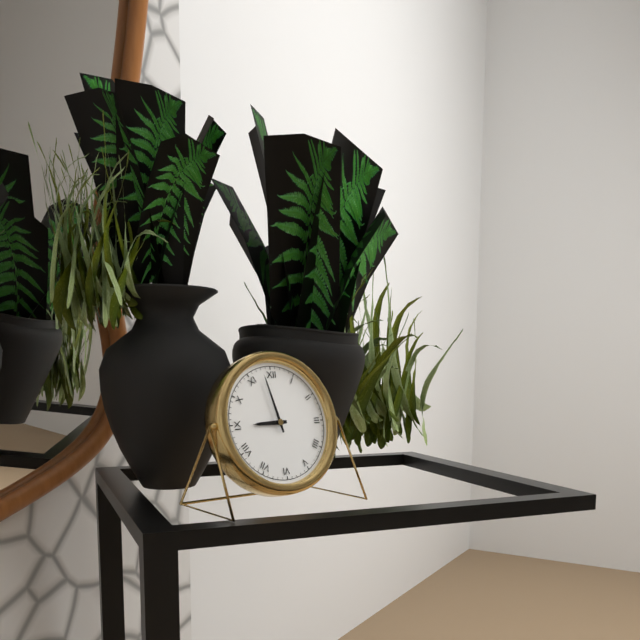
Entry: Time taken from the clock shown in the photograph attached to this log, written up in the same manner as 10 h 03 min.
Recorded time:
8 h 58 min
